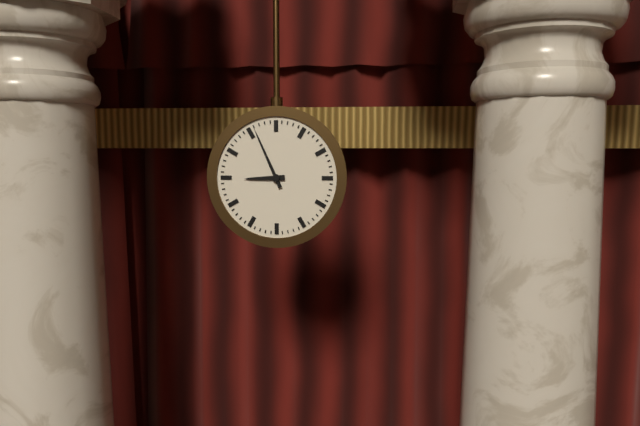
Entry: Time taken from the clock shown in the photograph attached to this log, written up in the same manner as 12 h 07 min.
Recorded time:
8 h 56 min
